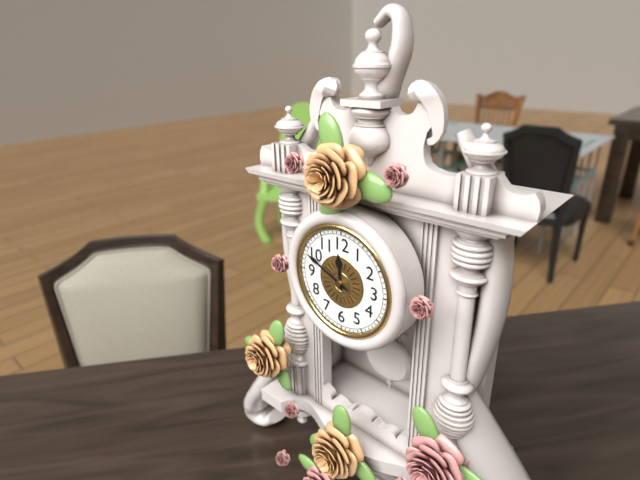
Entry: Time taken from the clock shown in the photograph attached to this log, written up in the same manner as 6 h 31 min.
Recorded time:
11 h 49 min
